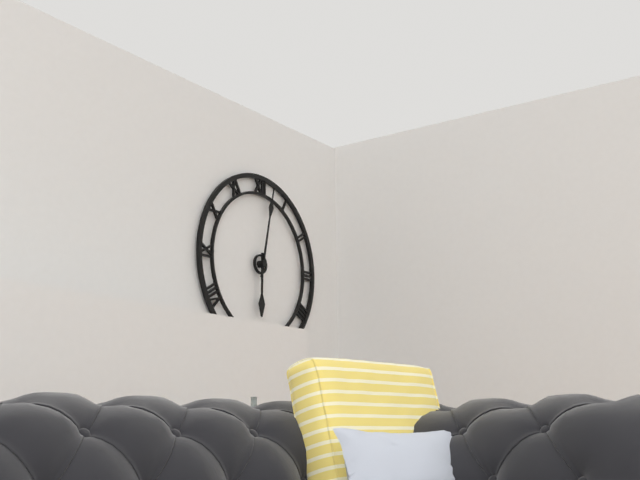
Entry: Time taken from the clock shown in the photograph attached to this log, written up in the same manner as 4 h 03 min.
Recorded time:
6 h 02 min
